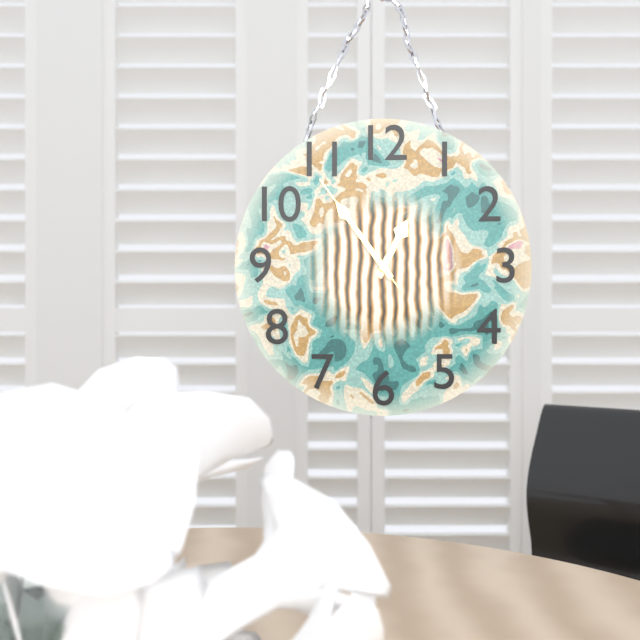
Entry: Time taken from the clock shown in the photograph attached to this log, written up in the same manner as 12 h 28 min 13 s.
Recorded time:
12 h 54 min 54 s
